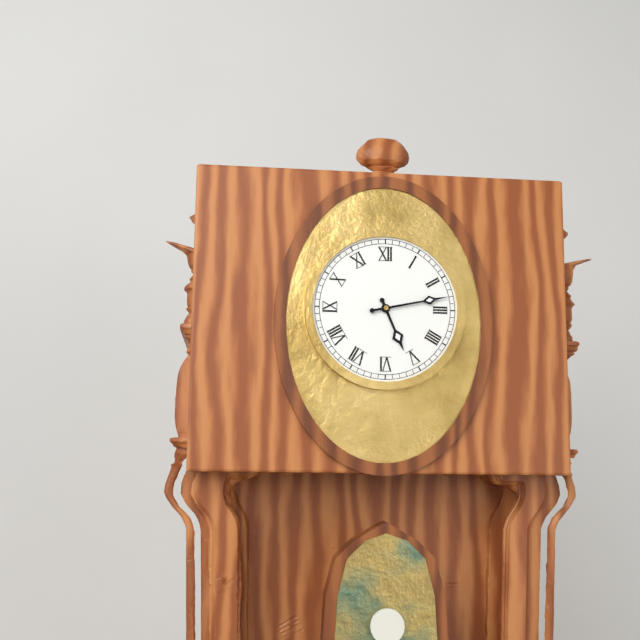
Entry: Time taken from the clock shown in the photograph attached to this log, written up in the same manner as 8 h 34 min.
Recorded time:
5 h 13 min
